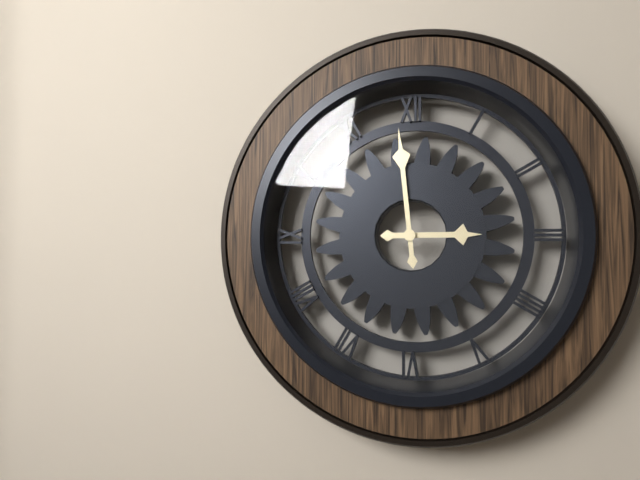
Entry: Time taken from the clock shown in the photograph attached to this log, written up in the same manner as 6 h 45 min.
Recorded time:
2 h 59 min
